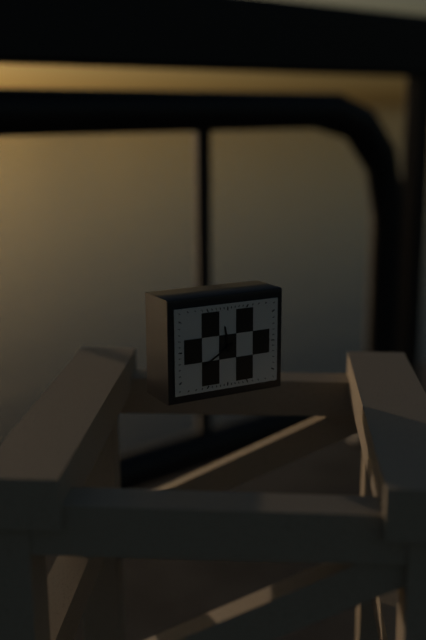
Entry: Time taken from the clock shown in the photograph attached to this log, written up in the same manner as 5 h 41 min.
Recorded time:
11 h 40 min
